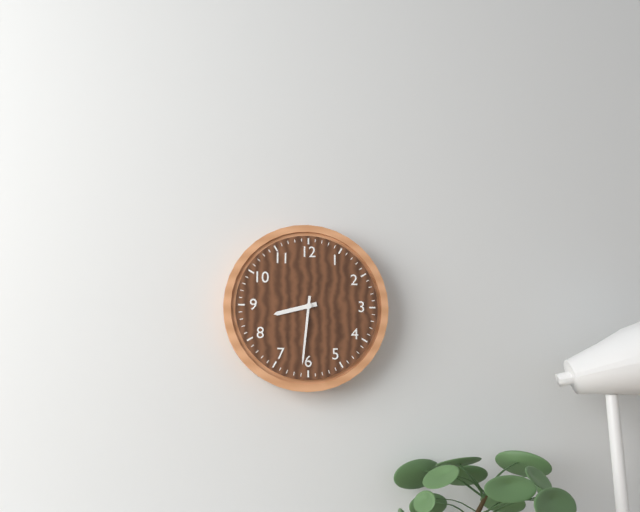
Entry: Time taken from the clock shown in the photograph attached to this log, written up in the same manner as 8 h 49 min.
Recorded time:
8 h 31 min
